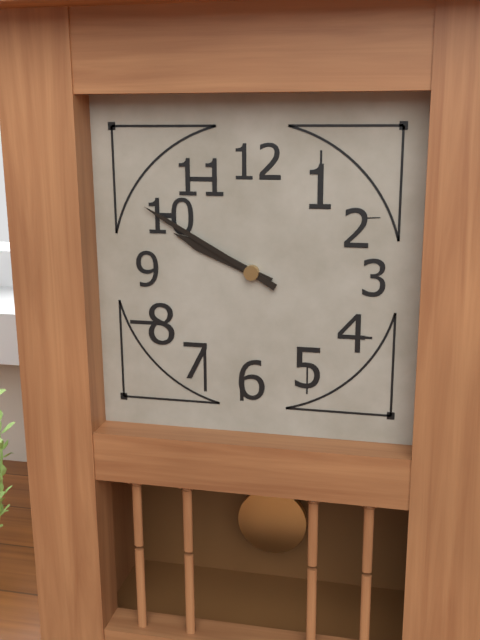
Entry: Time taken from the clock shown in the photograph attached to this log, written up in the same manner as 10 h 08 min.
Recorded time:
9 h 50 min
